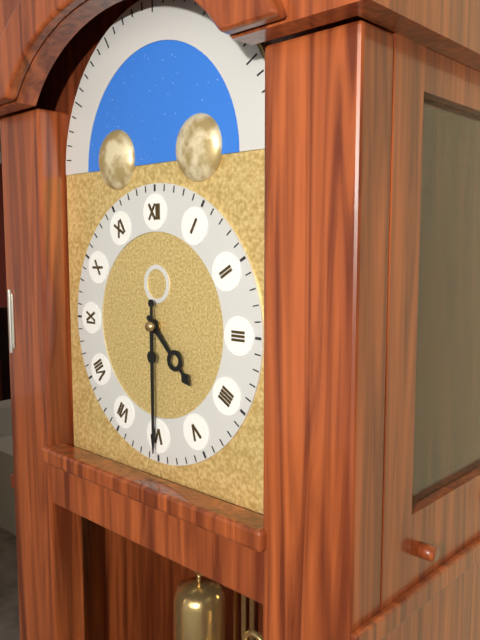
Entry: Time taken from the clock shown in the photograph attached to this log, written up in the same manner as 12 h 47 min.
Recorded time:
4 h 30 min
